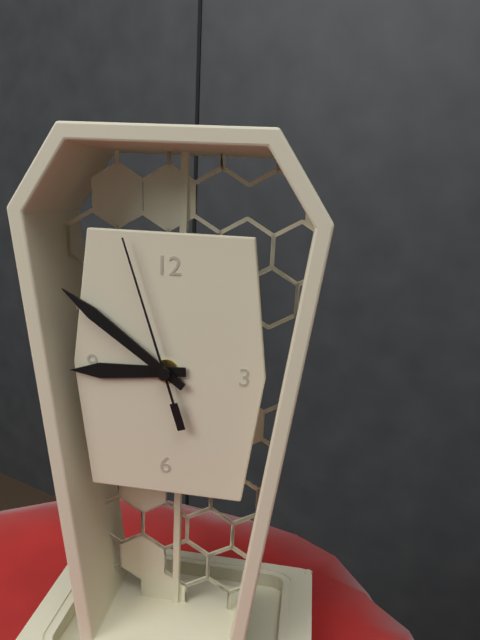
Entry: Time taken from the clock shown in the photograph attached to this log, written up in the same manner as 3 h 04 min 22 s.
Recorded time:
8 h 51 min 57 s
